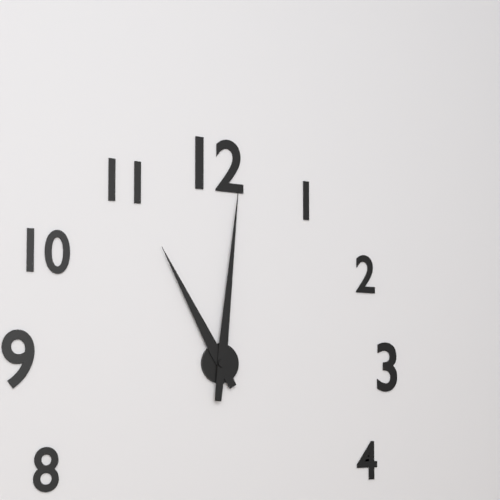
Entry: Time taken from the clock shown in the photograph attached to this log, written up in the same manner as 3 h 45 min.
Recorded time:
11 h 01 min
